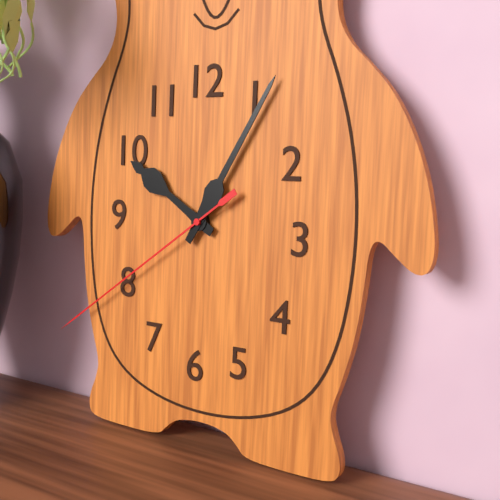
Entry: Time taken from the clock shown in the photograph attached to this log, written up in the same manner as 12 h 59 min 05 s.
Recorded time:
10 h 05 min 39 s
